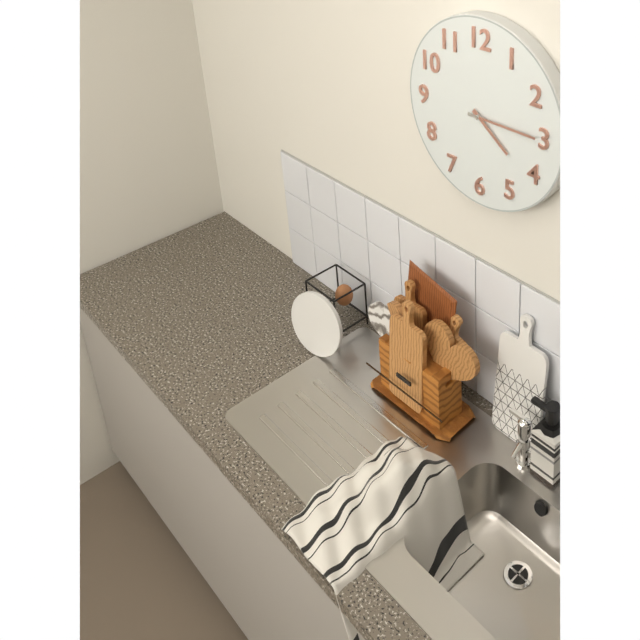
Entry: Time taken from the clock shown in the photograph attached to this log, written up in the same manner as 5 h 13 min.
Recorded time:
4 h 15 min
